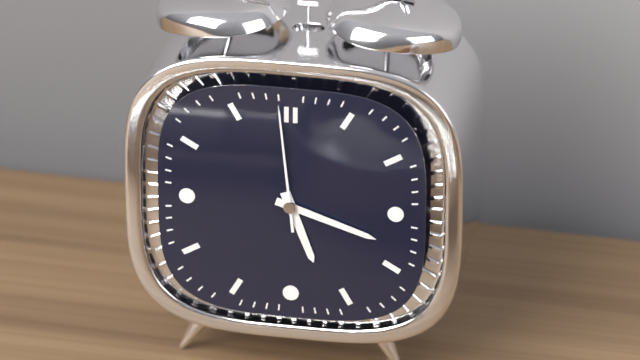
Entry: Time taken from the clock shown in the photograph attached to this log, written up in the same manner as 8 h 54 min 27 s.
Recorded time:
5 h 18 min 59 s
